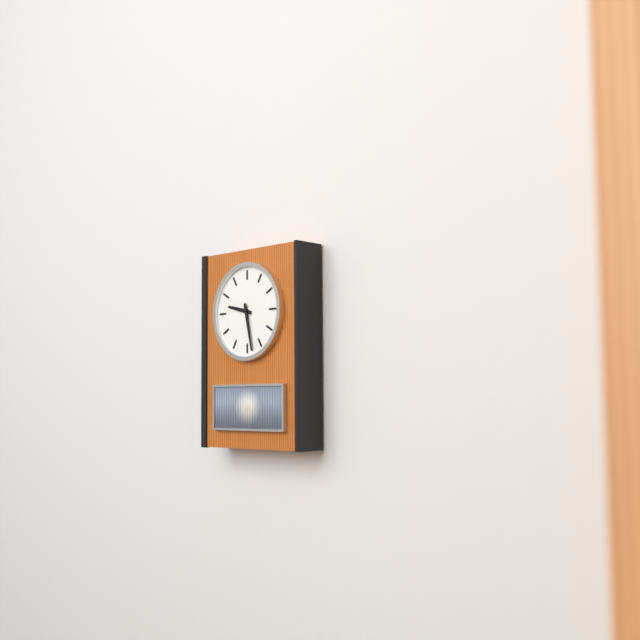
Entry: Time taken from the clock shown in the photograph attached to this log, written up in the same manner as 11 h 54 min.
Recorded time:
9 h 28 min
